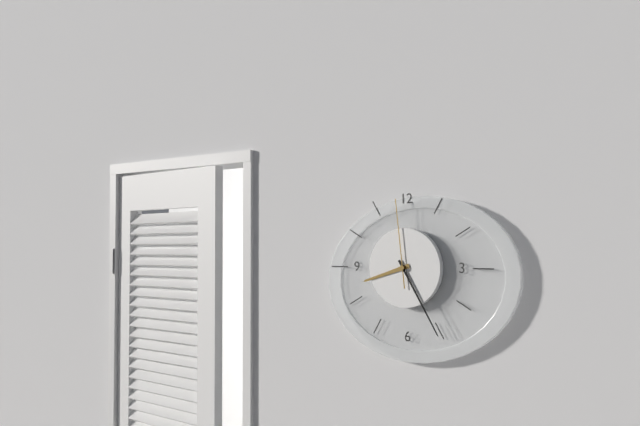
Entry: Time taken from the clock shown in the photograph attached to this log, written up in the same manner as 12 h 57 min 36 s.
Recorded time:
8 h 25 min 59 s
